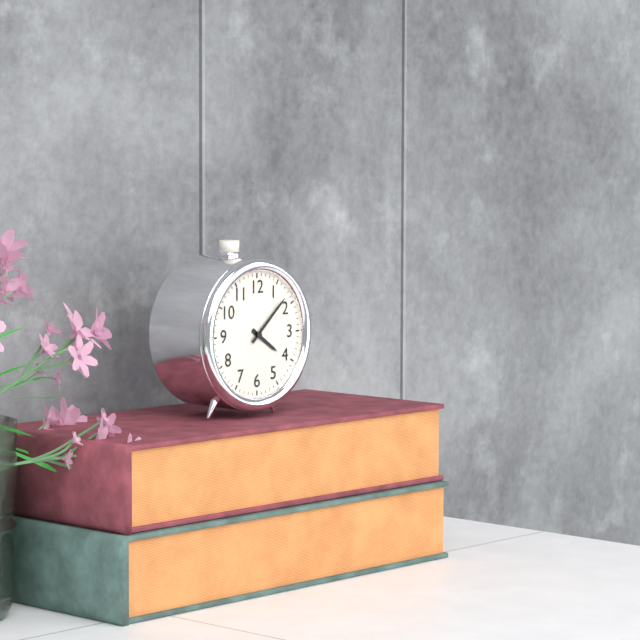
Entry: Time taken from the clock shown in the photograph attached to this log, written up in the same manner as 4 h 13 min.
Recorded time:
4 h 08 min
